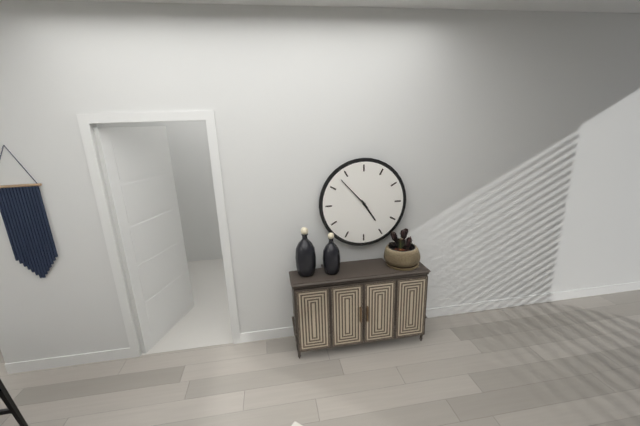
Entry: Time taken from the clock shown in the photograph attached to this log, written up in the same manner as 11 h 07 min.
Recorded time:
4 h 53 min
